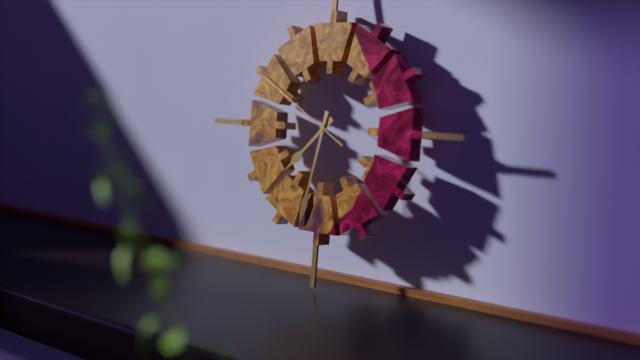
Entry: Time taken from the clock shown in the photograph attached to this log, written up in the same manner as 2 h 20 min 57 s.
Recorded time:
7 h 32 min 50 s
